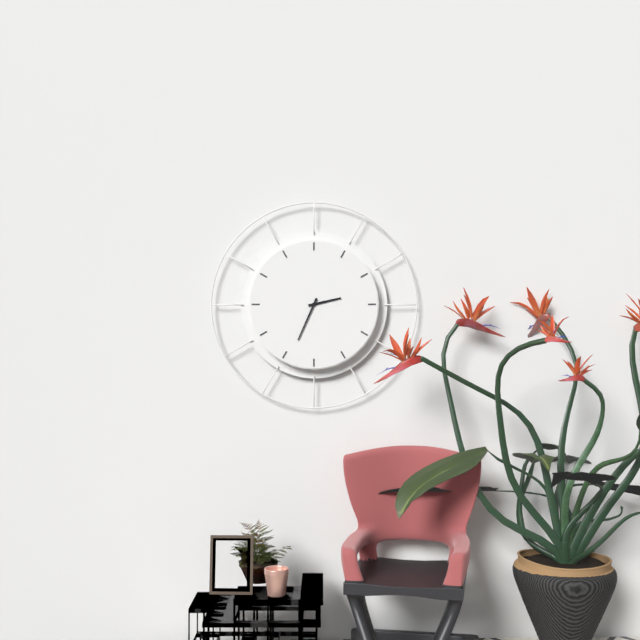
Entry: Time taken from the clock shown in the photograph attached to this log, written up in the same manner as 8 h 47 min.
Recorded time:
2 h 34 min
